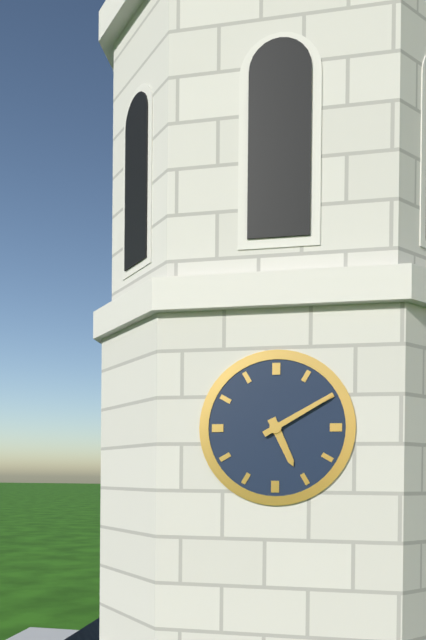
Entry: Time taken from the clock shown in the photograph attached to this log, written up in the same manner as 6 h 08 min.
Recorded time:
5 h 10 min
